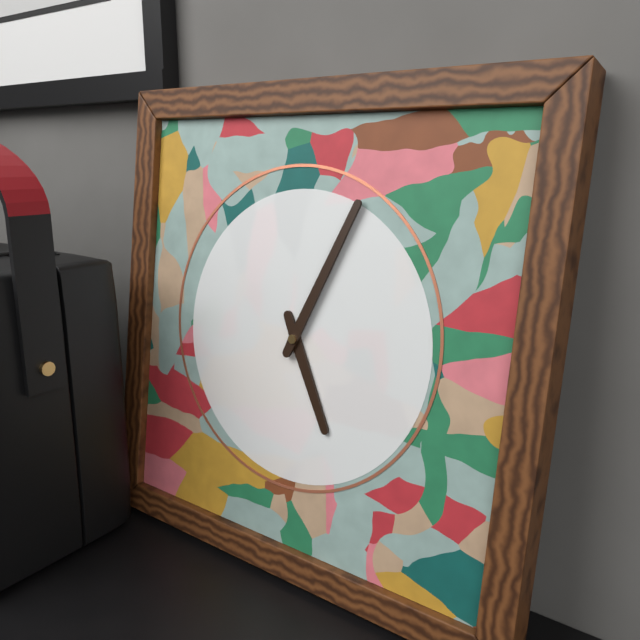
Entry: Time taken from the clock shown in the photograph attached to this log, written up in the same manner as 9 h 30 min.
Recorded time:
5 h 04 min
